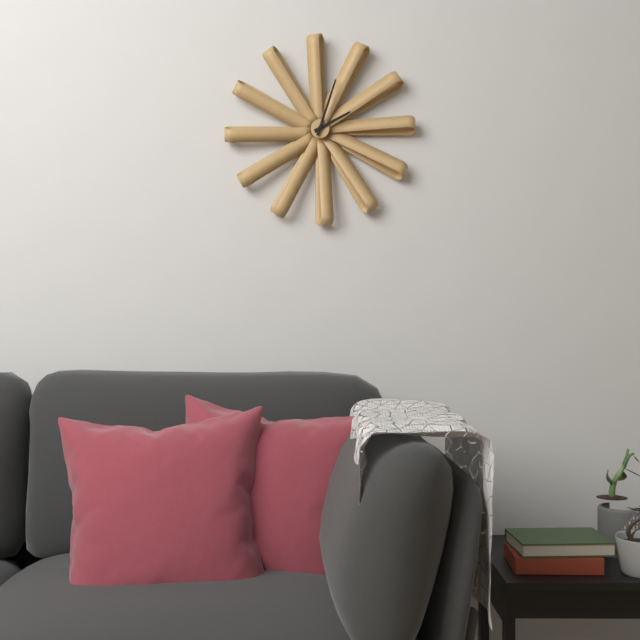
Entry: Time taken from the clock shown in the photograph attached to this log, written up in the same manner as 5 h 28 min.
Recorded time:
2 h 03 min
